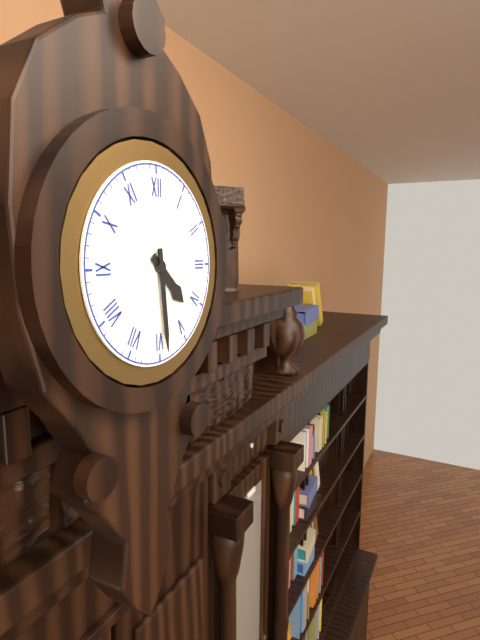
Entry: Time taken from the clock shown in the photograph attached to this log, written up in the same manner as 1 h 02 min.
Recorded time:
4 h 29 min
